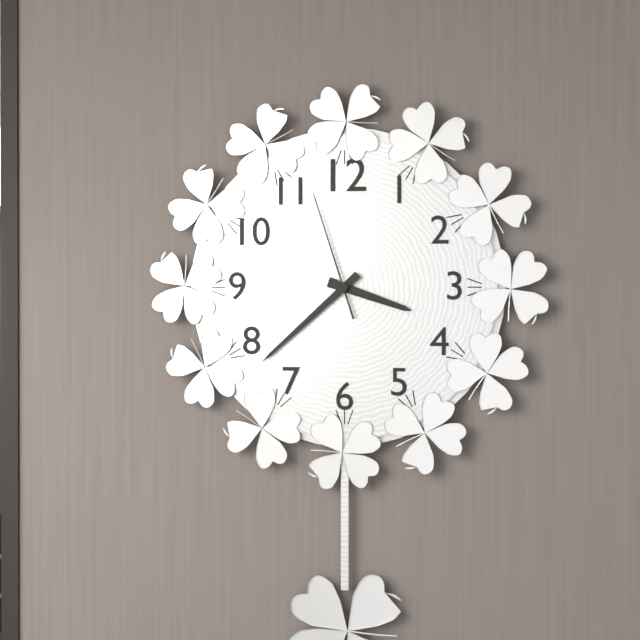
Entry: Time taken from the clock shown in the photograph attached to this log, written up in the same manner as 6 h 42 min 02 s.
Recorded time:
3 h 38 min 57 s
